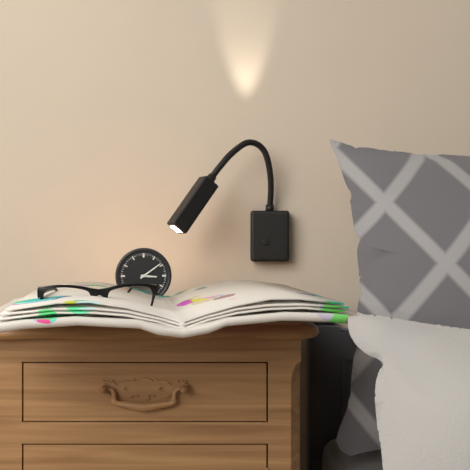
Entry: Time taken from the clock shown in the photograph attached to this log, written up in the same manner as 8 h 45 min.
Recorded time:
3 h 09 min
